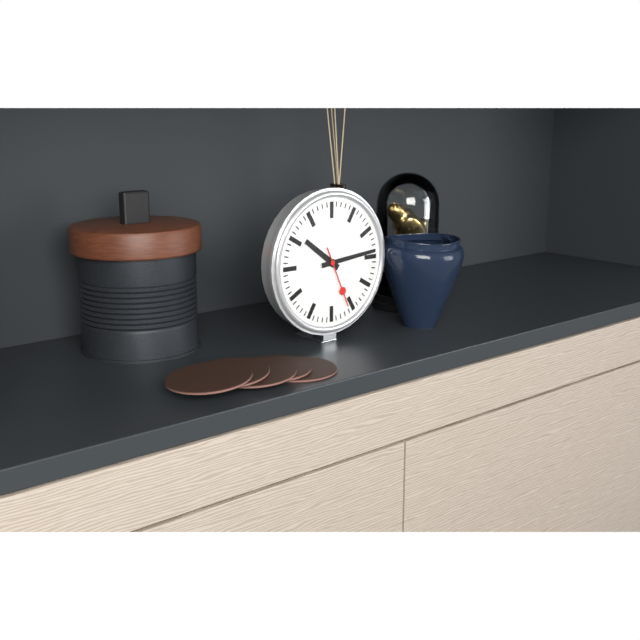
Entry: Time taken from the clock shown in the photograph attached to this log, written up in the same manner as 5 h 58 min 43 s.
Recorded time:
10 h 14 min 26 s
